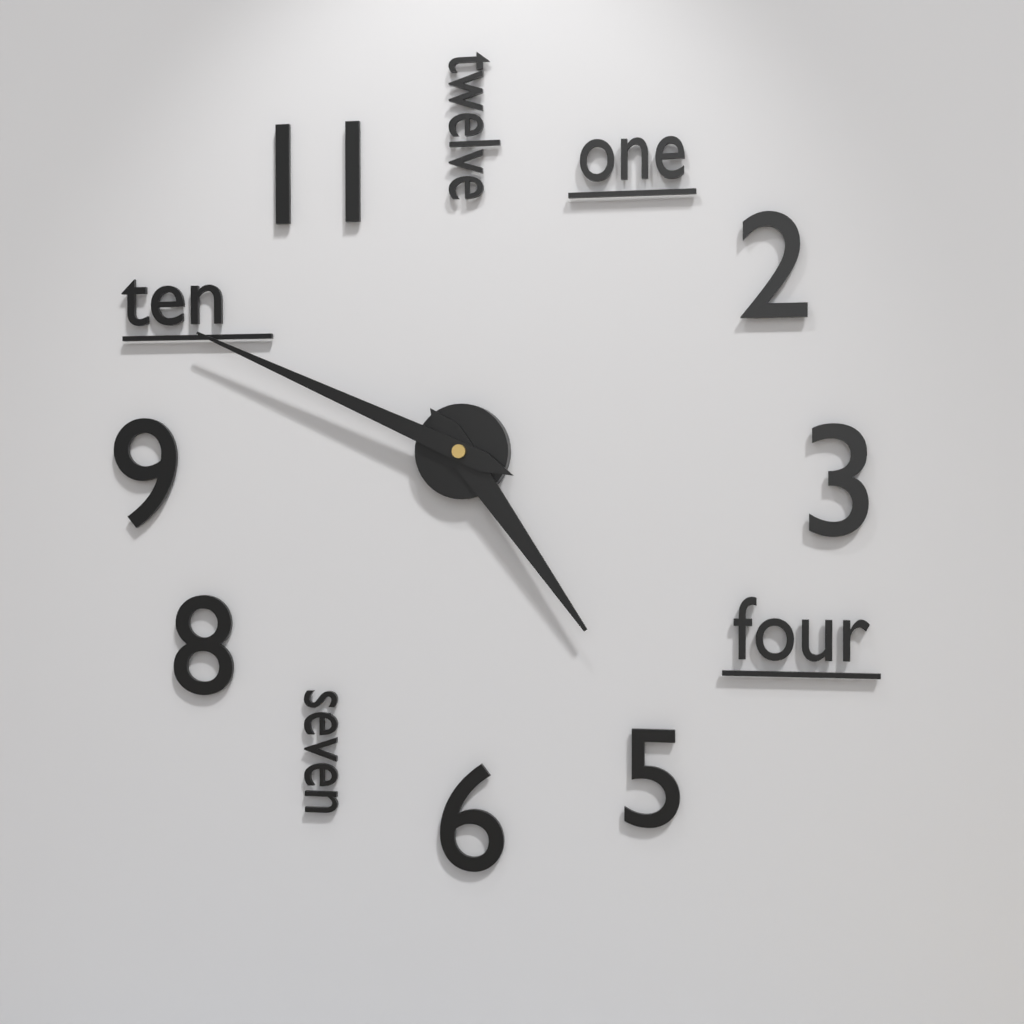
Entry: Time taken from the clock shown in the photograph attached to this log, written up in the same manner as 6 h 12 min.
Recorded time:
4 h 49 min
